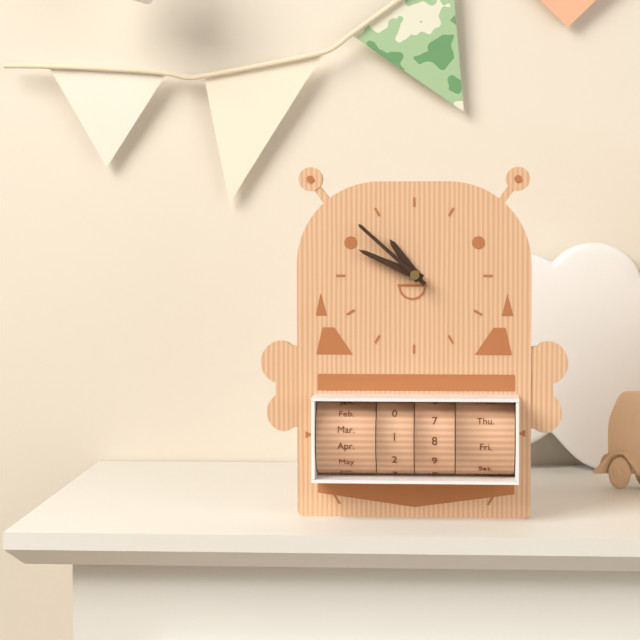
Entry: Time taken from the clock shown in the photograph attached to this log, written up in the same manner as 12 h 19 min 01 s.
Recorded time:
10 h 49 min 52 s
